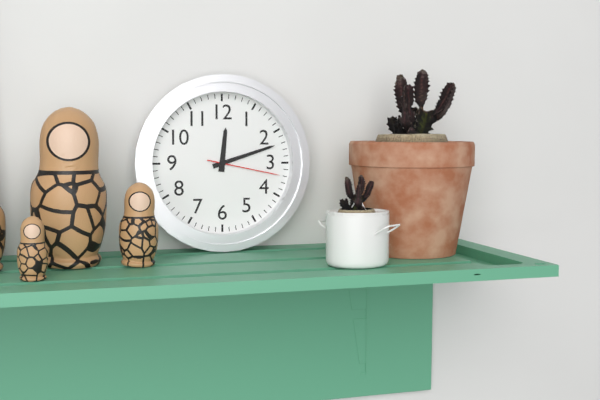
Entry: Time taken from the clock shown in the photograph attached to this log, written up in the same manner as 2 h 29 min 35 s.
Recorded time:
12 h 12 min 17 s
